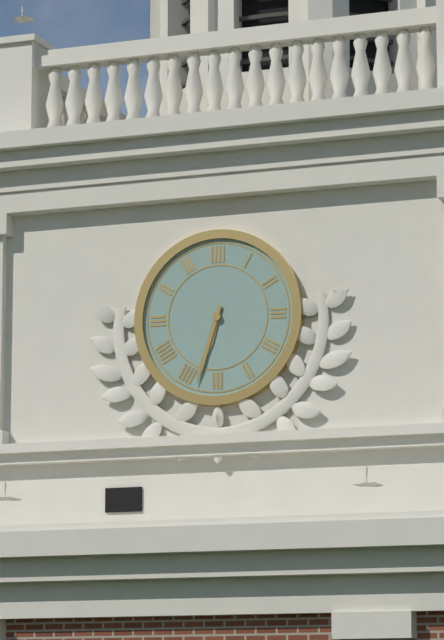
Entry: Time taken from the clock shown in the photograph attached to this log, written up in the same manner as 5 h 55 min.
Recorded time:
6 h 33 min
